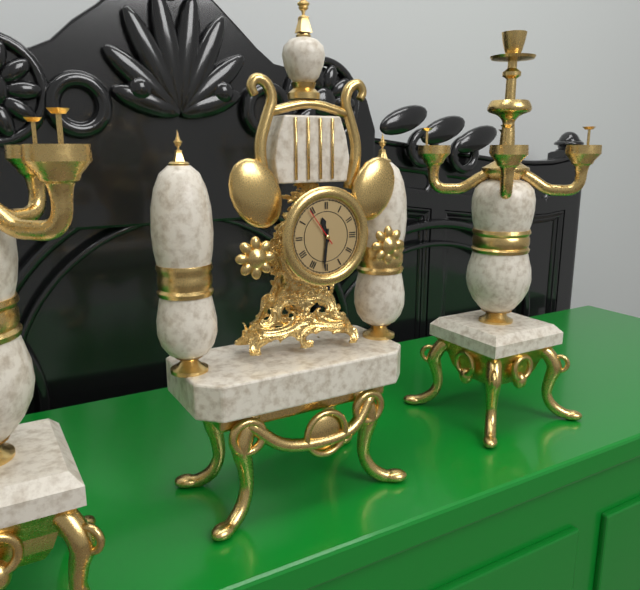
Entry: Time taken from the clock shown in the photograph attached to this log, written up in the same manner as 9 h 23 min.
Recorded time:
11 h 31 min
